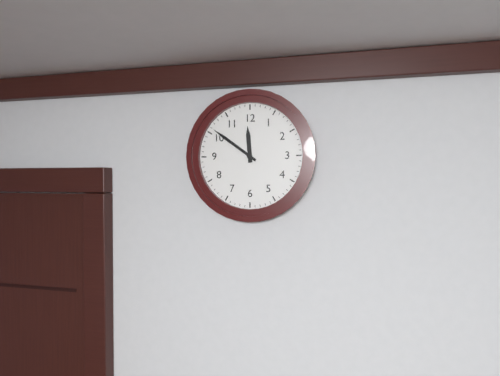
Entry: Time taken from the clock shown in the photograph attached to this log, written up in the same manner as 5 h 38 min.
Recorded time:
11 h 51 min
